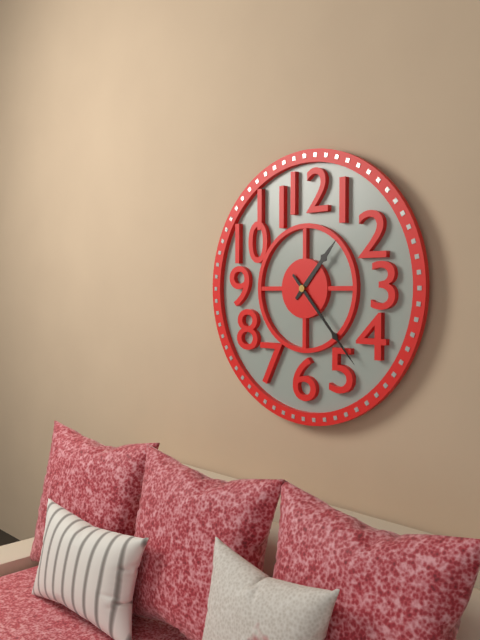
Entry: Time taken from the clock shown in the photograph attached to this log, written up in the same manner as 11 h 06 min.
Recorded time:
1 h 23 min
